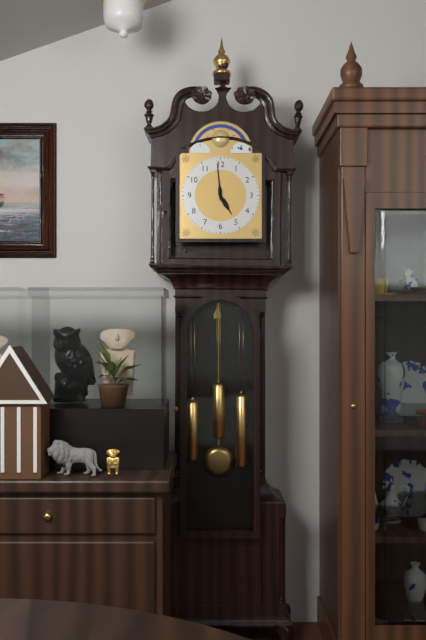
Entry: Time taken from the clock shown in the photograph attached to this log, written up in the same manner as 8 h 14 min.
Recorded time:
4 h 59 min
